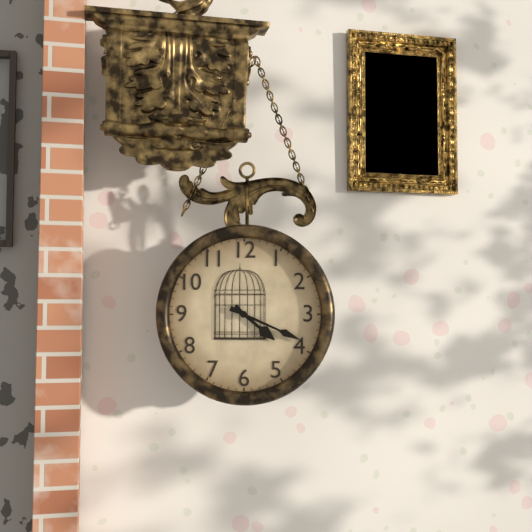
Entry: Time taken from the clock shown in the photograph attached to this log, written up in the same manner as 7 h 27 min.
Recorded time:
4 h 19 min
